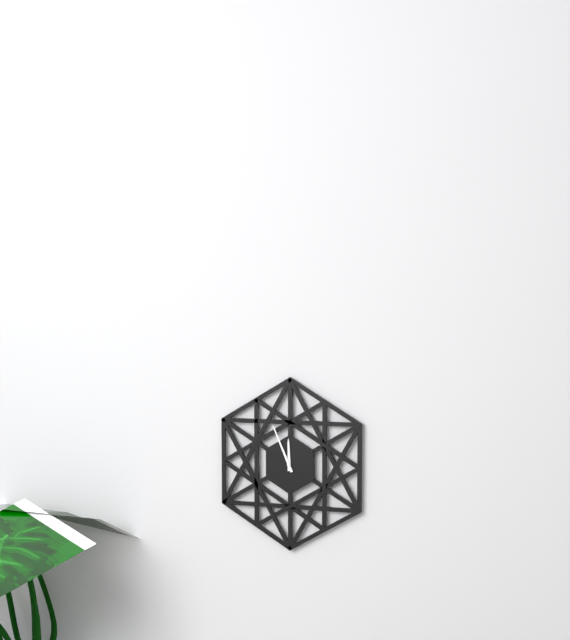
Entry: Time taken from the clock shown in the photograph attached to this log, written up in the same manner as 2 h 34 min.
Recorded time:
11 h 56 min
